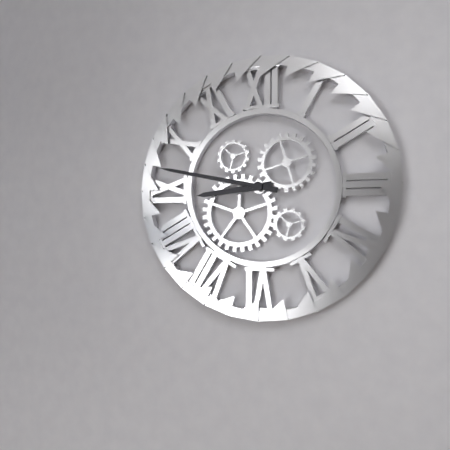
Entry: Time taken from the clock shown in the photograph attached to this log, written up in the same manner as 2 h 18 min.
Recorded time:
8 h 47 min
